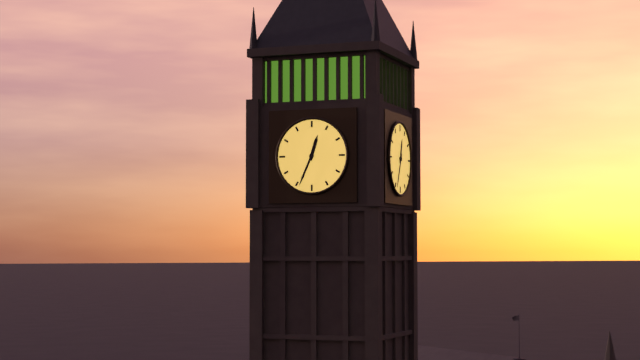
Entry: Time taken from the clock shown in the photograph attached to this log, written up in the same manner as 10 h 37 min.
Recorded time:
12 h 34 min
